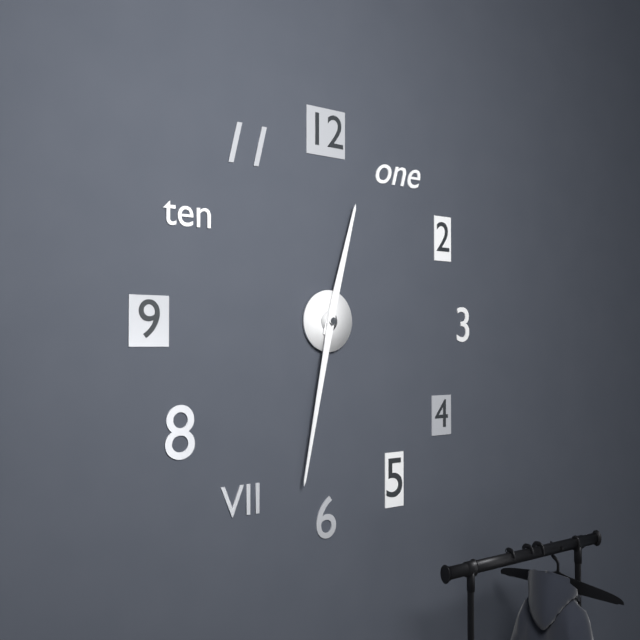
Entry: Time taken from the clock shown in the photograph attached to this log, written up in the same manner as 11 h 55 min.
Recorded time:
12 h 32 min
